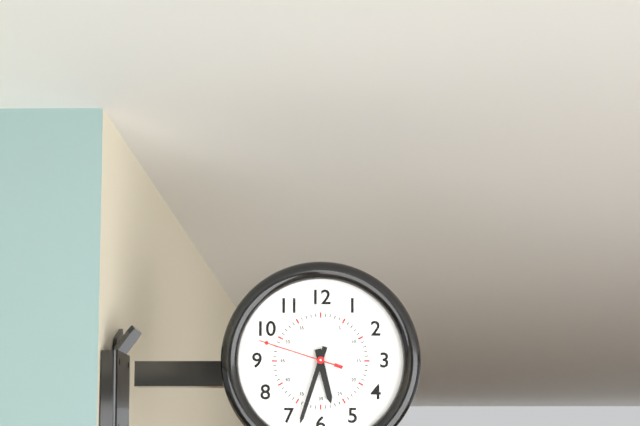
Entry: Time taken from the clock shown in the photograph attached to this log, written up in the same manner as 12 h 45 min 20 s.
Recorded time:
5 h 33 min 48 s
